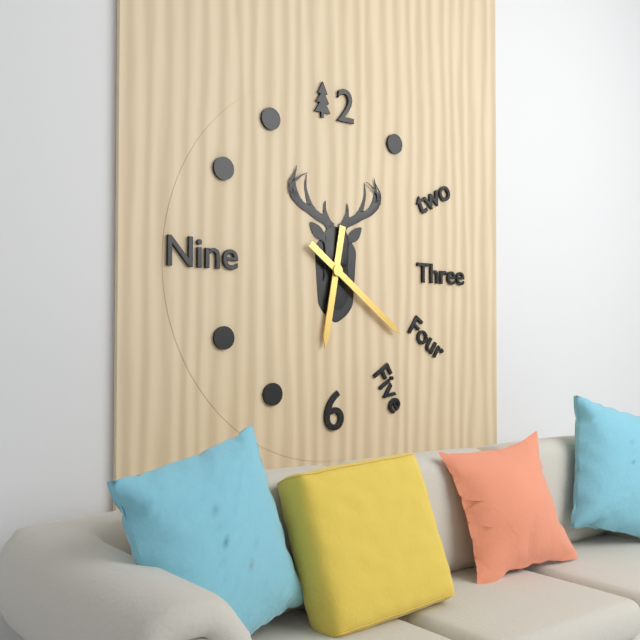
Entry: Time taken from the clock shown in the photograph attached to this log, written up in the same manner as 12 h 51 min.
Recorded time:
6 h 21 min
